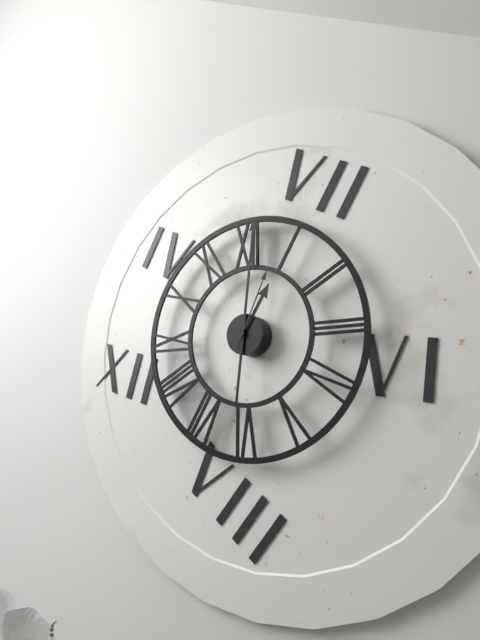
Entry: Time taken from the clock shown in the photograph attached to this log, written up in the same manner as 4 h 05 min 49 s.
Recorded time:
1 h 01 min 04 s
